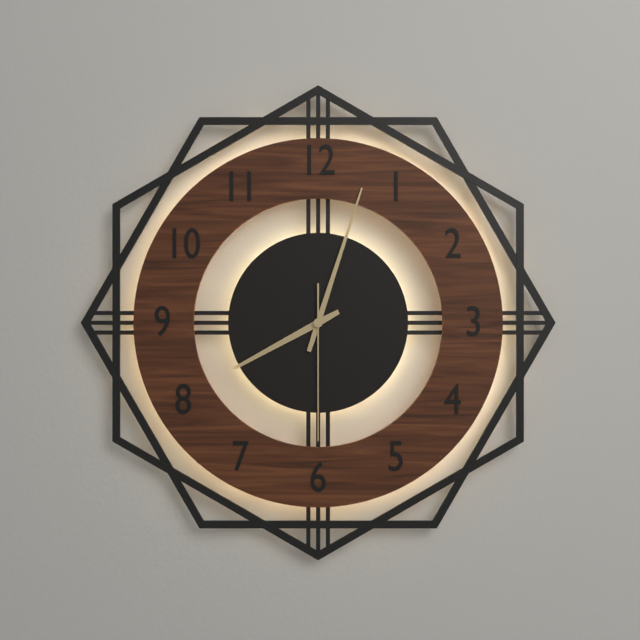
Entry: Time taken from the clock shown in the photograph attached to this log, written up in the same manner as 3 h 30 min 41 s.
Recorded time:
8 h 03 min 30 s
